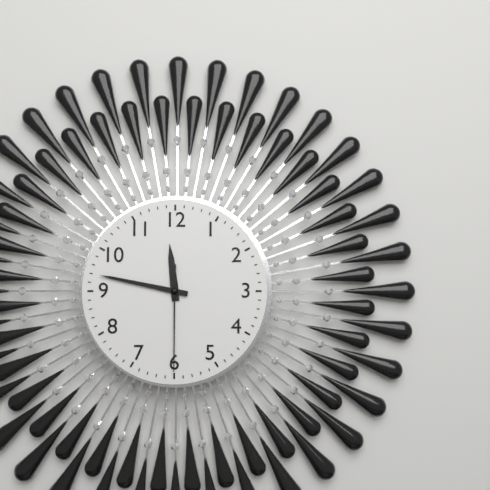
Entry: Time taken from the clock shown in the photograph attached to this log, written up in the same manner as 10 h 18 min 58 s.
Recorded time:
11 h 47 min 30 s
